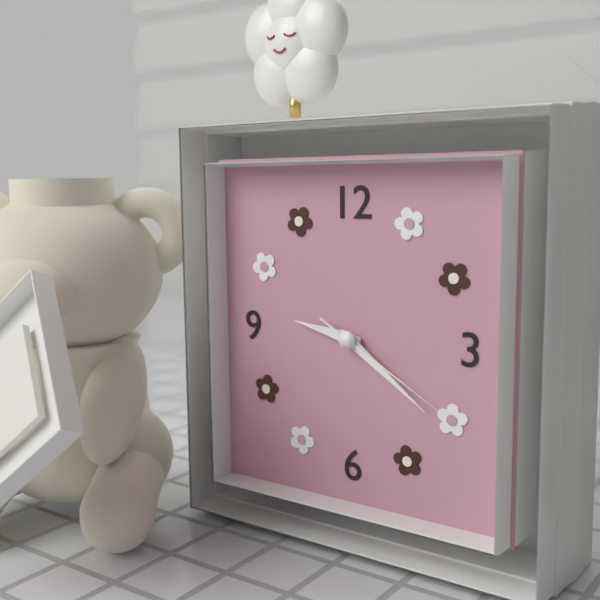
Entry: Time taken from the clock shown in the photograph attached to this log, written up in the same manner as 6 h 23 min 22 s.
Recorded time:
9 h 21 min 20 s
